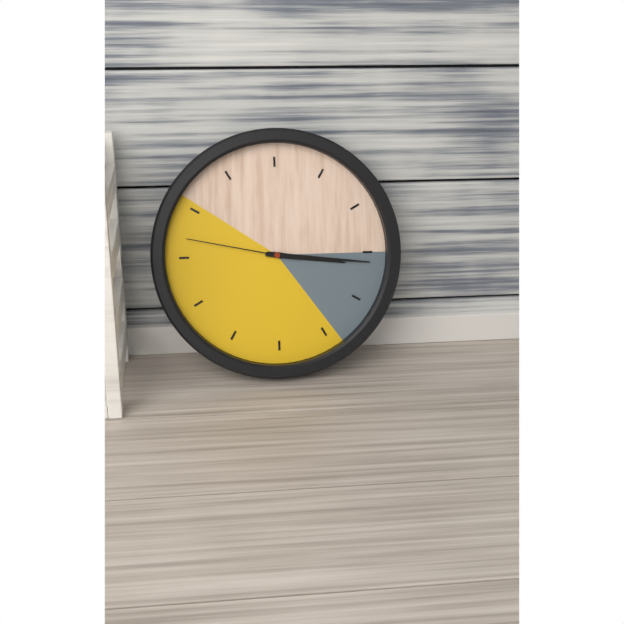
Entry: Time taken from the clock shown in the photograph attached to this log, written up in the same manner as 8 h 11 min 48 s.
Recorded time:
3 h 16 min 47 s
